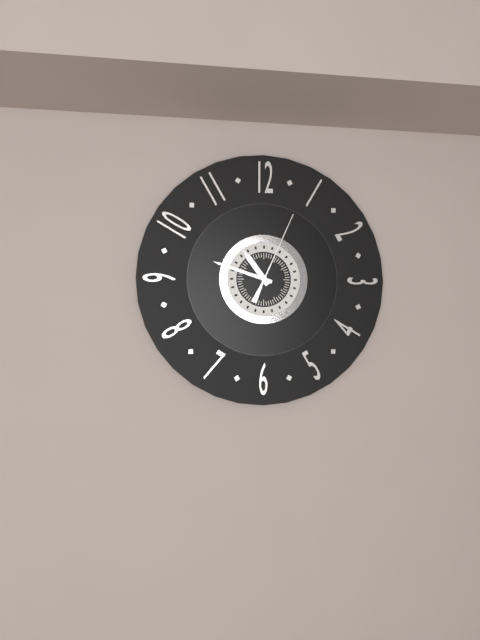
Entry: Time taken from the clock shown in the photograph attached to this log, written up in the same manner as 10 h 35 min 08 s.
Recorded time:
10 h 48 min 04 s
